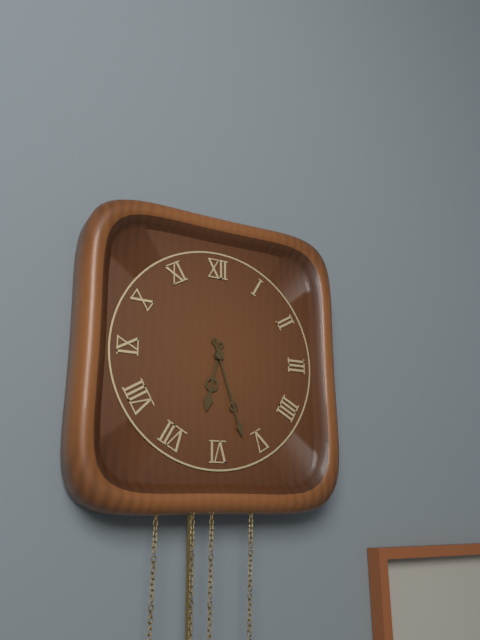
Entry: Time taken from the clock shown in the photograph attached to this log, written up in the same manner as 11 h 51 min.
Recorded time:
6 h 27 min
